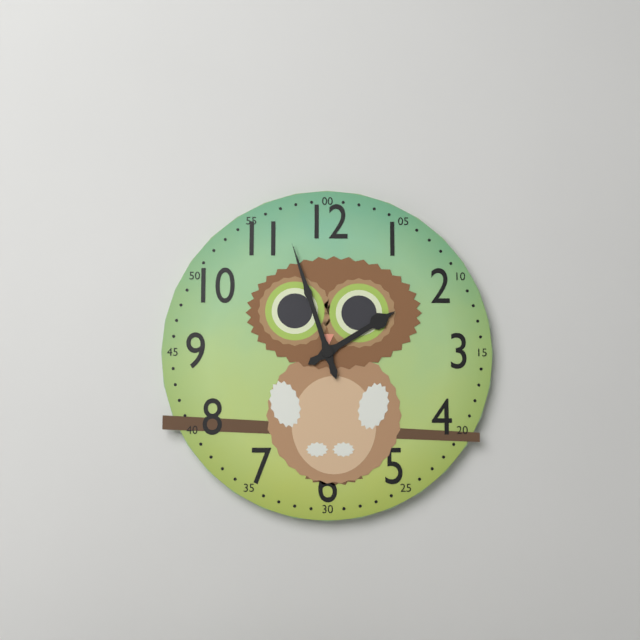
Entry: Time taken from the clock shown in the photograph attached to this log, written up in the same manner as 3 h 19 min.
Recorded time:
1 h 57 min
